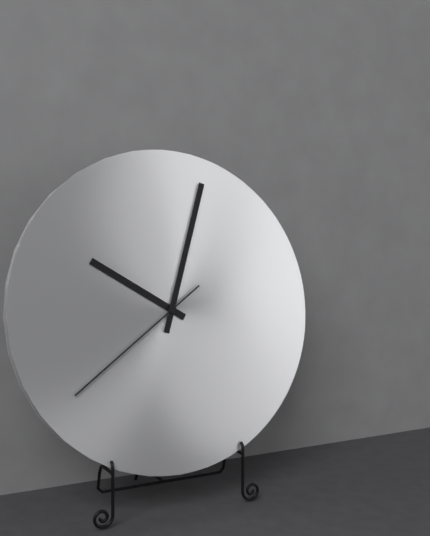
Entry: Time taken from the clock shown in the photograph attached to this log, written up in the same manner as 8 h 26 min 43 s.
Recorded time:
10 h 03 min 39 s
